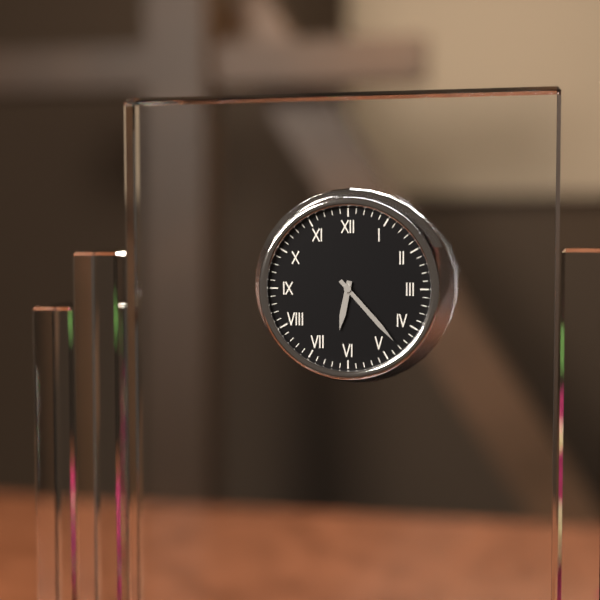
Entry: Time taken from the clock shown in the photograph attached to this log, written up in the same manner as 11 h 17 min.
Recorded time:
6 h 23 min
